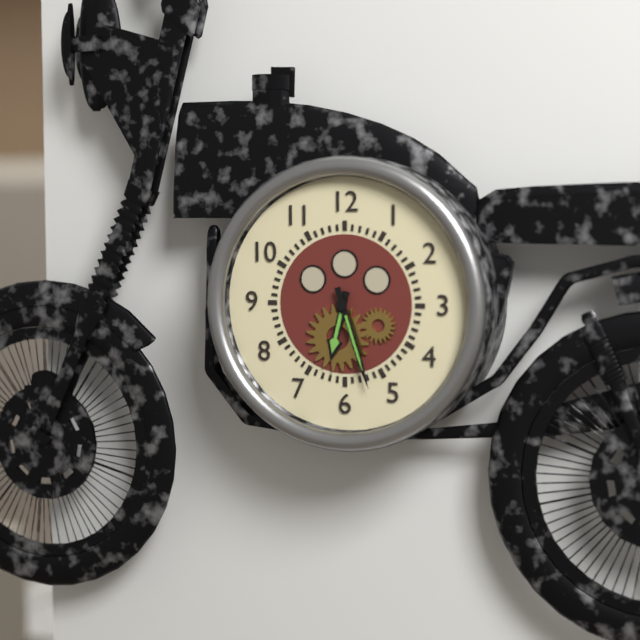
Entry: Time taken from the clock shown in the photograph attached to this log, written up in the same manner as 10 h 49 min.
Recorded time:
6 h 27 min
